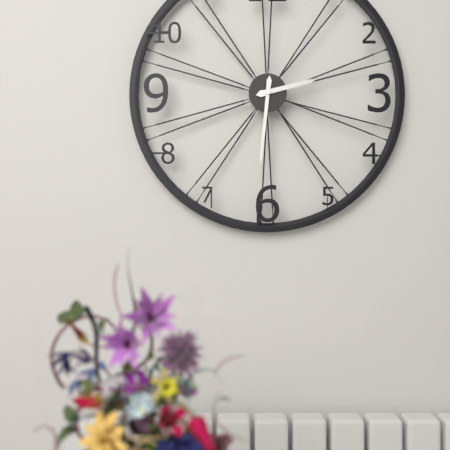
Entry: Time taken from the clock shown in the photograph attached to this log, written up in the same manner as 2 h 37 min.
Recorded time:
2 h 31 min
